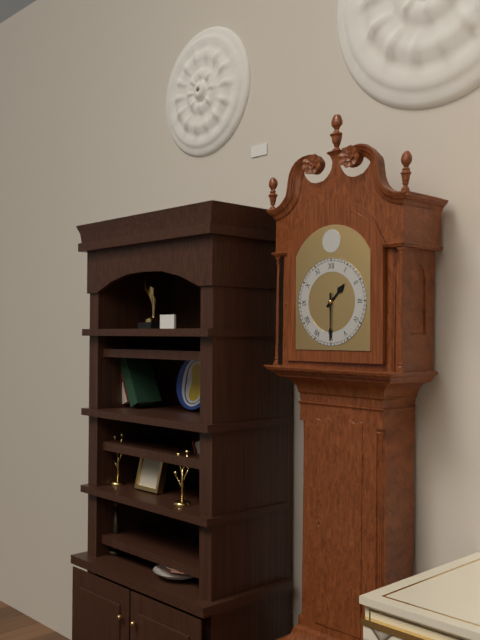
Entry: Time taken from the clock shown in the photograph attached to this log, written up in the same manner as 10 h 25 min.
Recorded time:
1 h 30 min
